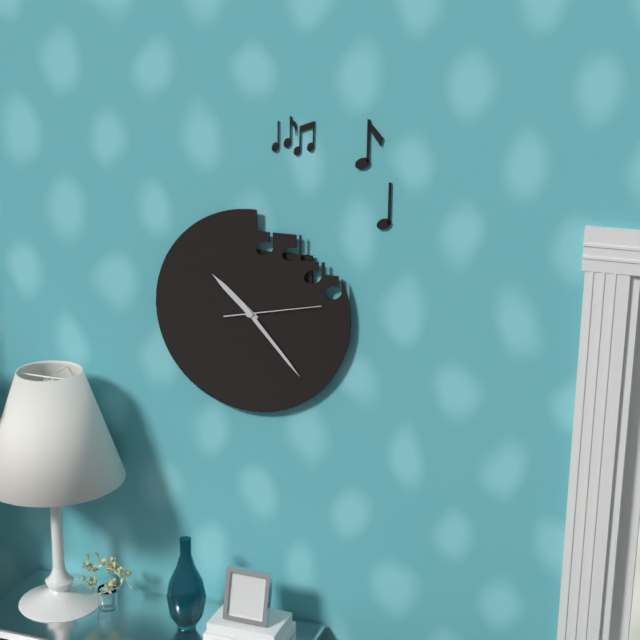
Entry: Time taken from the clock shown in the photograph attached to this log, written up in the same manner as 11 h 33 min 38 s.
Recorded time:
10 h 23 min 13 s
